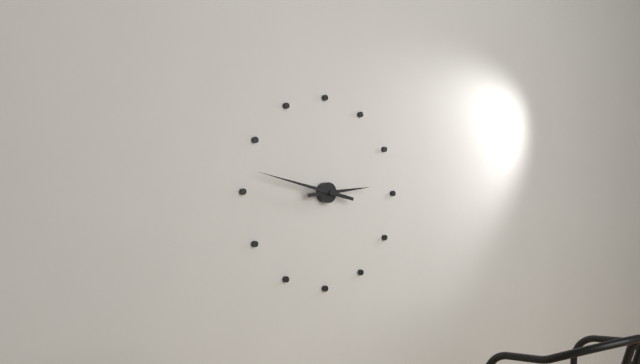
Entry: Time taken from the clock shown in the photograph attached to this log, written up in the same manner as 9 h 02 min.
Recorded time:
2 h 47 min
